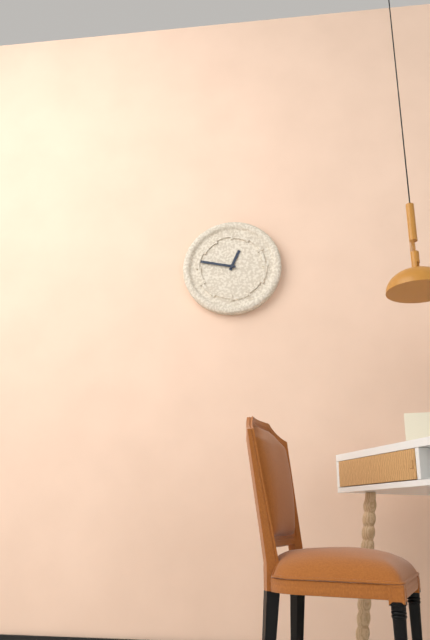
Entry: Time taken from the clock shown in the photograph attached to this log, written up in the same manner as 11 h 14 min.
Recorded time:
12 h 47 min
